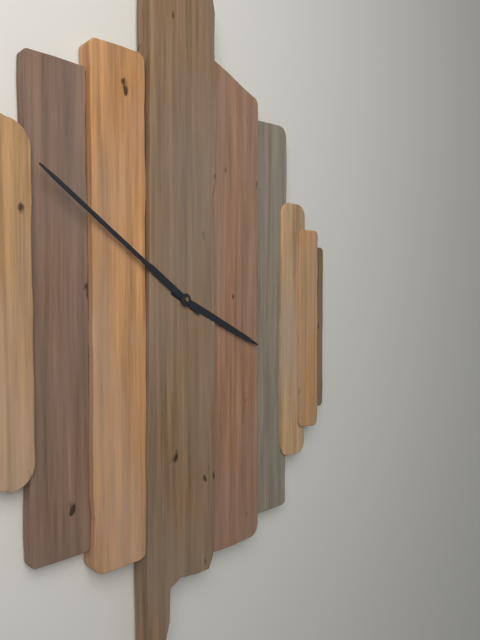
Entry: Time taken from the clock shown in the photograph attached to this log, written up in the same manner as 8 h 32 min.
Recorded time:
3 h 51 min
